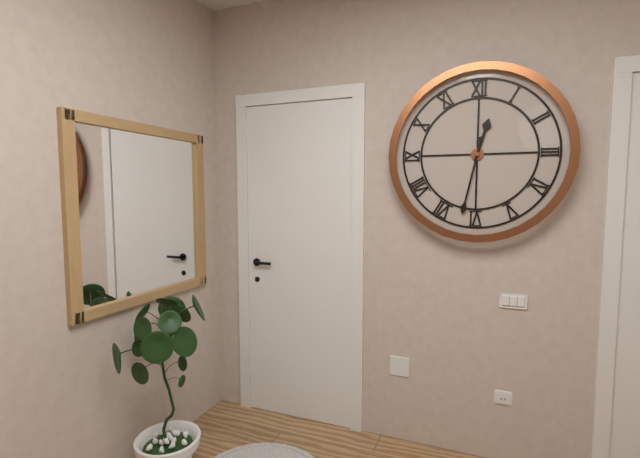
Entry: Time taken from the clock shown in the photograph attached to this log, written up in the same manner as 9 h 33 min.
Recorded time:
12 h 32 min
